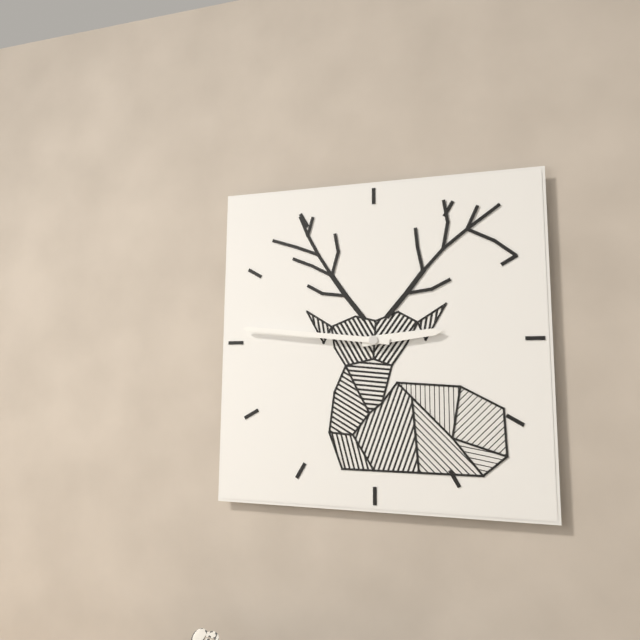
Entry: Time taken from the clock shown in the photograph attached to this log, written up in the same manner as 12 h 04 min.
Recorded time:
2 h 46 min
